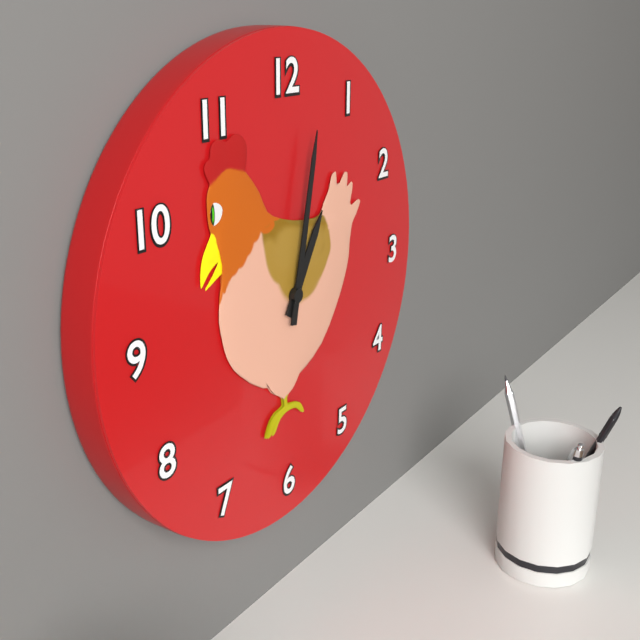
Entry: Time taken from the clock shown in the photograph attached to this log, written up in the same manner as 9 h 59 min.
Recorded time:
1 h 02 min
